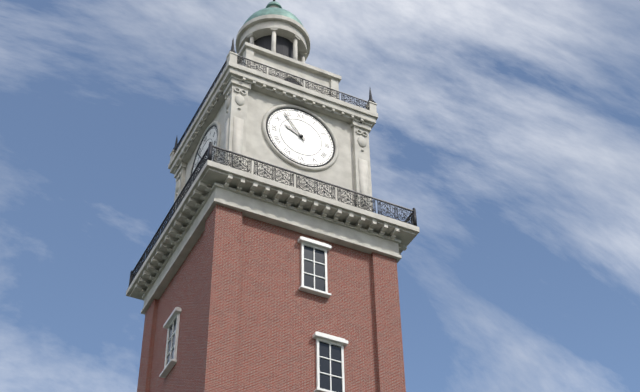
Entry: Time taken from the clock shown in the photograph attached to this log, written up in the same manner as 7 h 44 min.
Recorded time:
9 h 54 min
